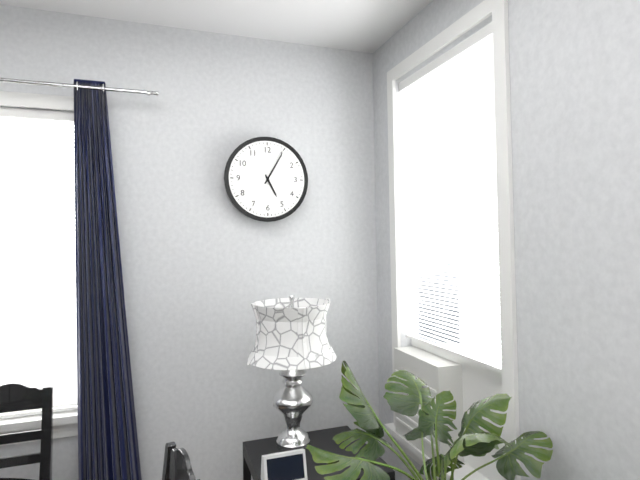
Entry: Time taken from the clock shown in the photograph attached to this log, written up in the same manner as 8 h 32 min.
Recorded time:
5 h 05 min
